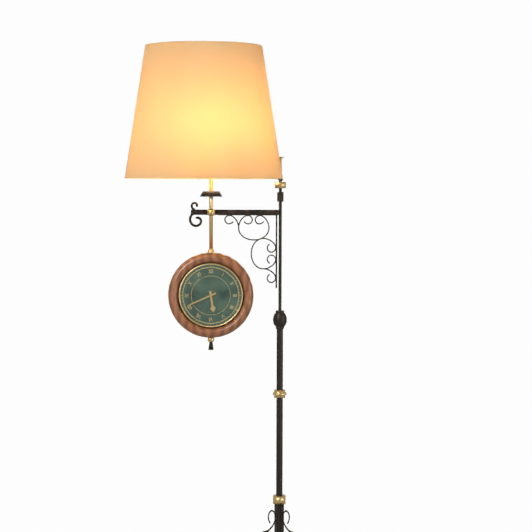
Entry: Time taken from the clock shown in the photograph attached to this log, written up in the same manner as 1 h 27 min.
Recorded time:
5 h 41 min
